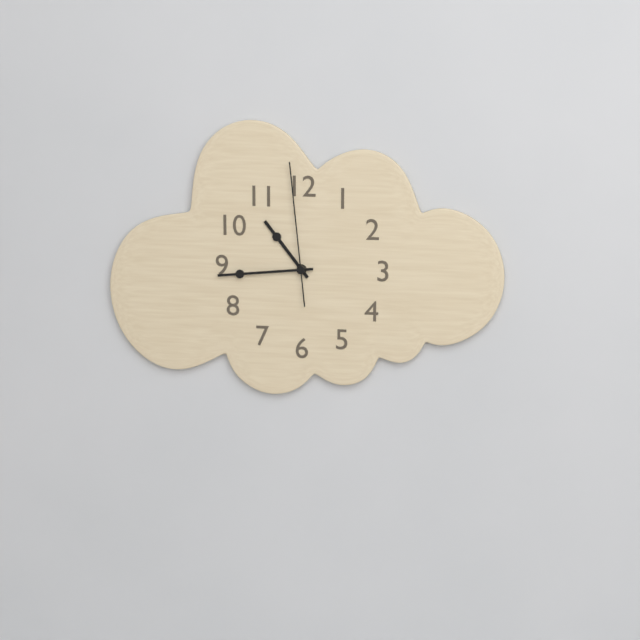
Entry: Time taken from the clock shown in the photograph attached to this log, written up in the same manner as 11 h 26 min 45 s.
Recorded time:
10 h 44 min 59 s
